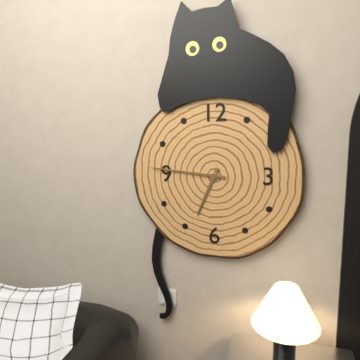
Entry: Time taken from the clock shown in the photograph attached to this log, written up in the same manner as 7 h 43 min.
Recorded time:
6 h 46 min
